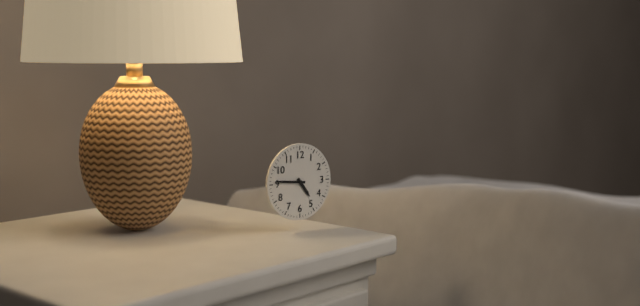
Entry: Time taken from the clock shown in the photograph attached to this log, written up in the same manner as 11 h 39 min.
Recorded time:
4 h 46 min
